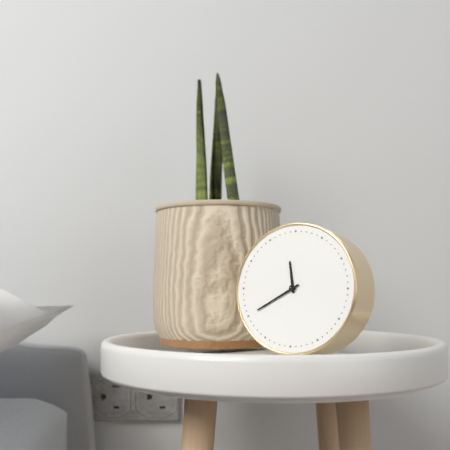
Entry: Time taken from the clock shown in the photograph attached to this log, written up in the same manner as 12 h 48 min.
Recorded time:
11 h 40 min
